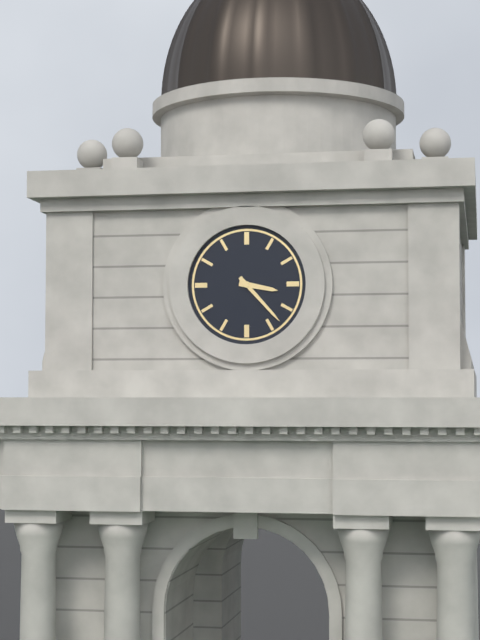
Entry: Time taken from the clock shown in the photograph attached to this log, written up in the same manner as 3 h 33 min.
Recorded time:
3 h 23 min
